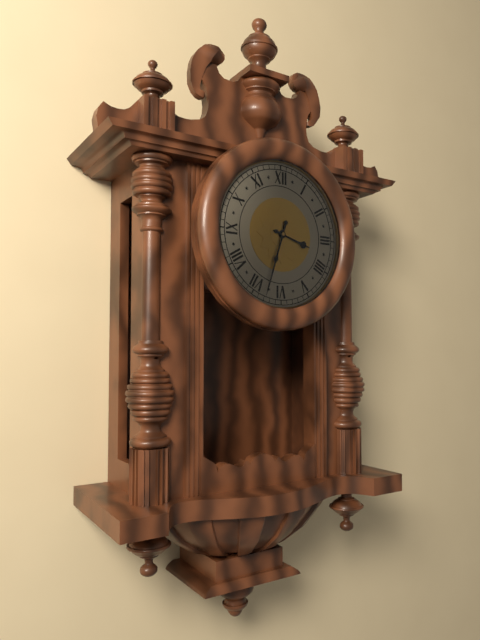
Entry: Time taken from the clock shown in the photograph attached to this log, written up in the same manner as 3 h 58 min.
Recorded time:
3 h 33 min
